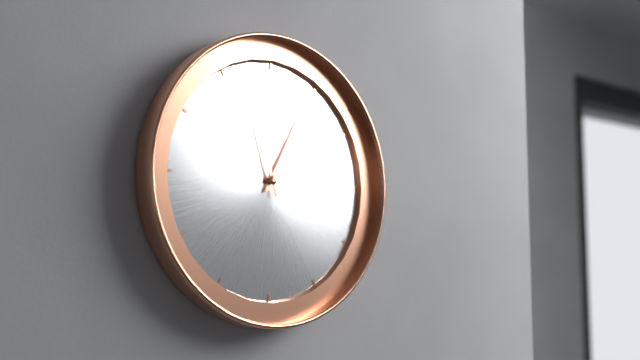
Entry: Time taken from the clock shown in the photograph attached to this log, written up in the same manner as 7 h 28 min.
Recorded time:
12 h 57 min
